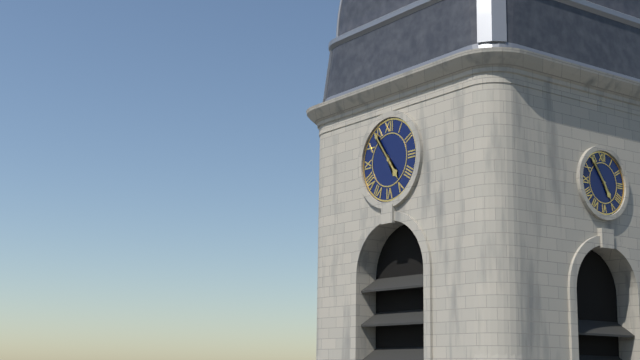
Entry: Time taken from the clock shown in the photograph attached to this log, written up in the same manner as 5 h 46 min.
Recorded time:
4 h 54 min
